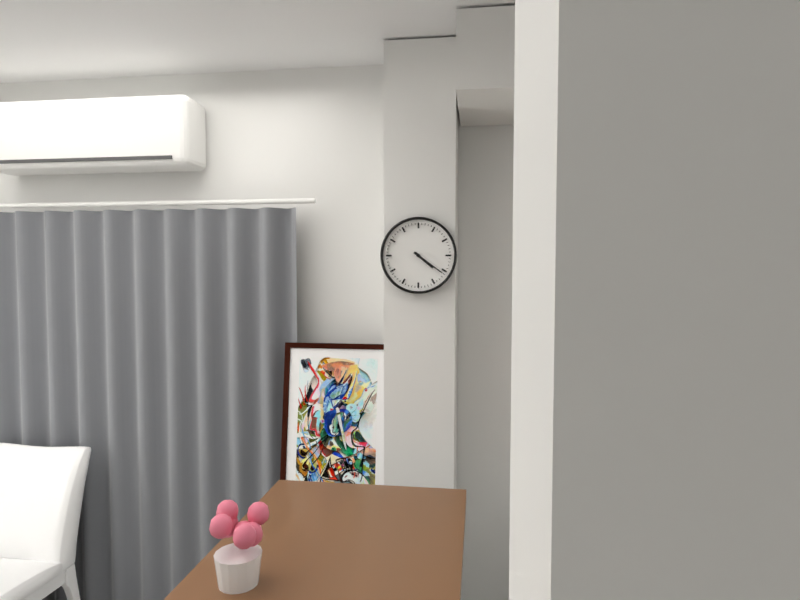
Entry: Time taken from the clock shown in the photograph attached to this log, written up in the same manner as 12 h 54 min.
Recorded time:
4 h 21 min
